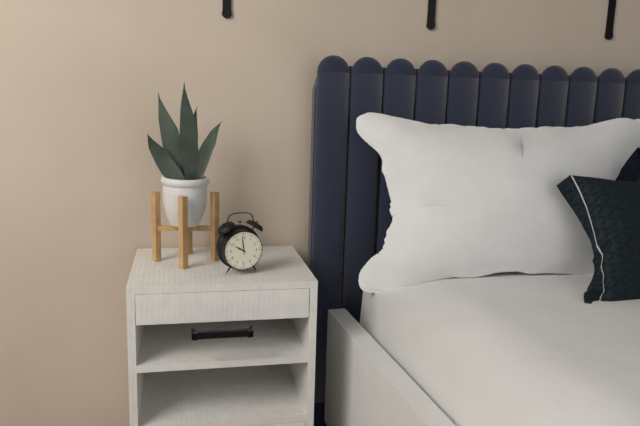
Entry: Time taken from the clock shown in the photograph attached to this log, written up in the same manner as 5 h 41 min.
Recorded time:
9 h 59 min
